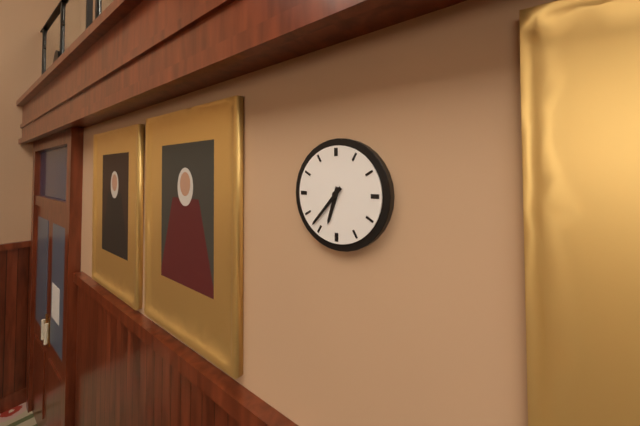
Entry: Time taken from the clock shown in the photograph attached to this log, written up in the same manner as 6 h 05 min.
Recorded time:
6 h 37 min
